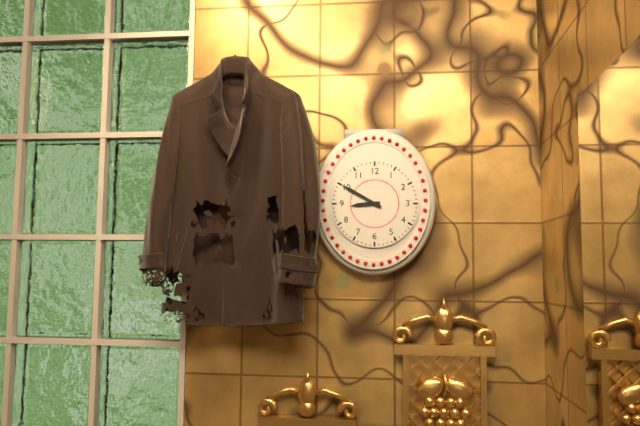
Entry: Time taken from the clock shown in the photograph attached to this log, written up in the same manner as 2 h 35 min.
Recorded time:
8 h 50 min
